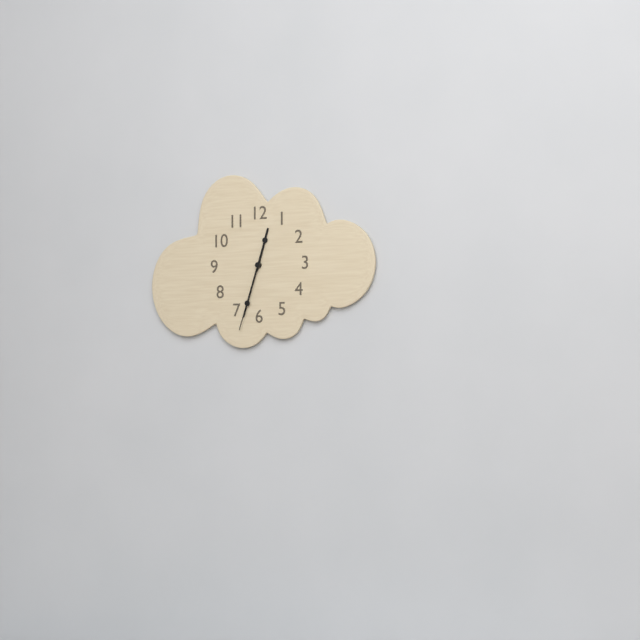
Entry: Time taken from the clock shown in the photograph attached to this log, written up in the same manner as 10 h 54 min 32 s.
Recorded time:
12 h 33 min 33 s
